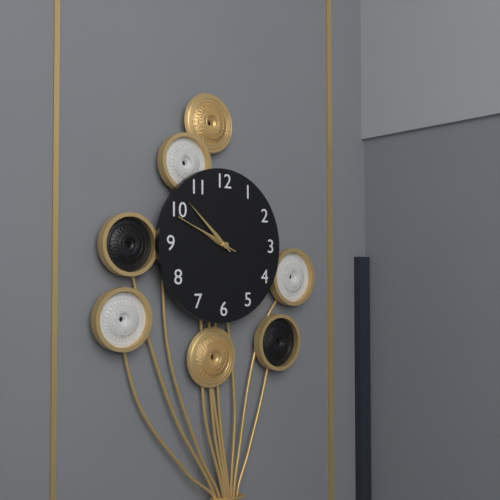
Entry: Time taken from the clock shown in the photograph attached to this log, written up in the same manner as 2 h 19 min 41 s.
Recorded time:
9 h 52 min 49 s
